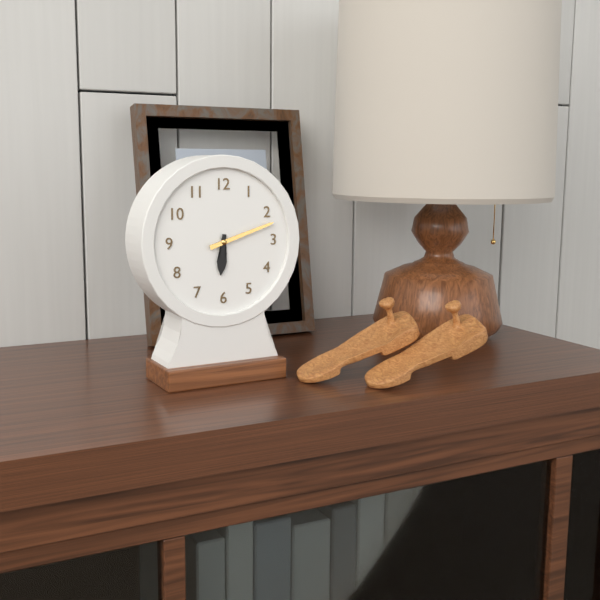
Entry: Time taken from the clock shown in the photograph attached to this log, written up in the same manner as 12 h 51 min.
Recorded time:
6 h 12 min
